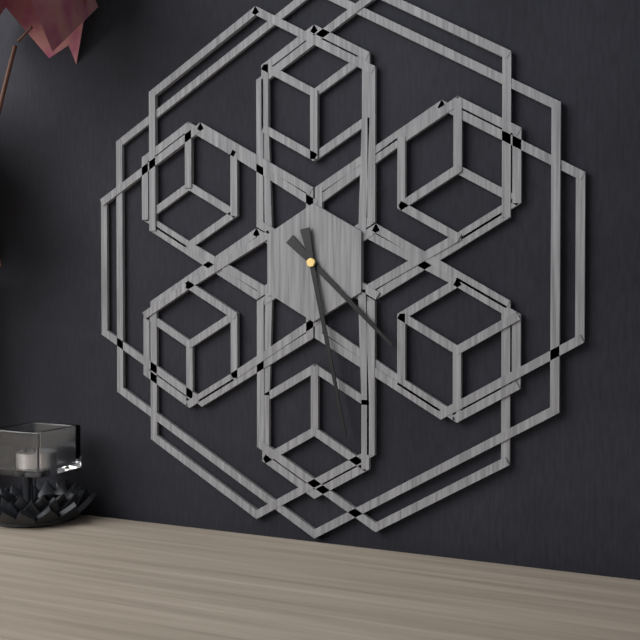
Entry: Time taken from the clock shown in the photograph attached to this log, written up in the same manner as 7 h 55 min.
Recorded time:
4 h 28 min
